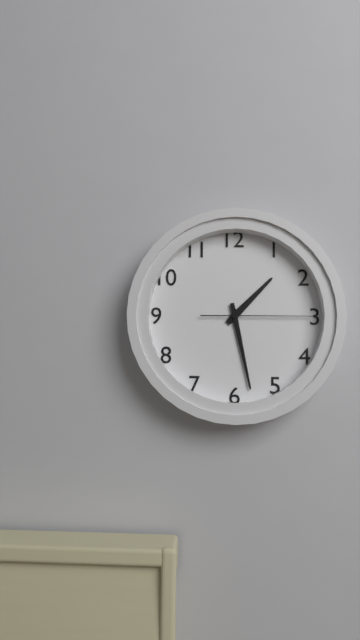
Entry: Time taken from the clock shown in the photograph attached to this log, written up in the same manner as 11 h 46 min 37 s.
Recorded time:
1 h 28 min 15 s
